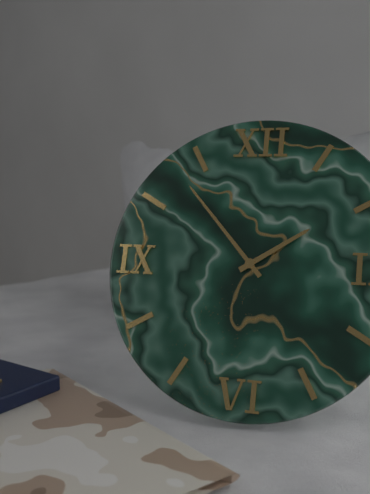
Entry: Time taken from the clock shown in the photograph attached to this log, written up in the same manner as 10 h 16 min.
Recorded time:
1 h 53 min
